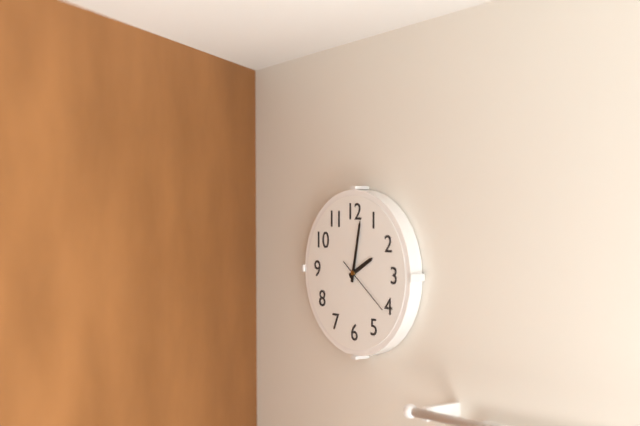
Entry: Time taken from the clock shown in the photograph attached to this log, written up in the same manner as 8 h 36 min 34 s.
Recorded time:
2 h 02 min 21 s
